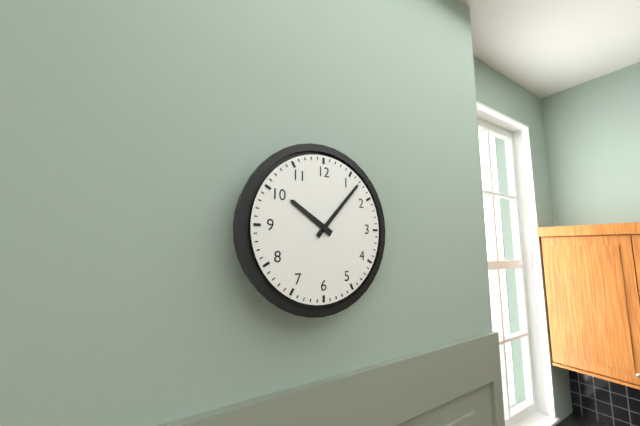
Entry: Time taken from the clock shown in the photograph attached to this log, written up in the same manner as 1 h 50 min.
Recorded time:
10 h 07 min
